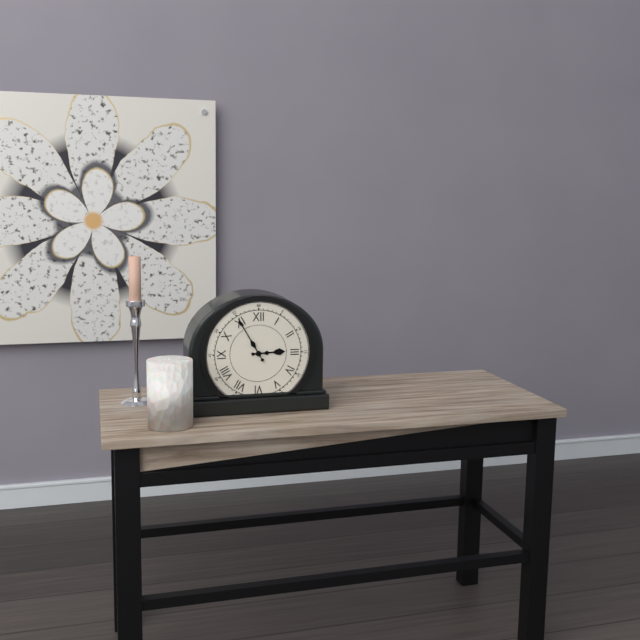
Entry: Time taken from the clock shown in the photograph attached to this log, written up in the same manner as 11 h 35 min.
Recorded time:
2 h 55 min
